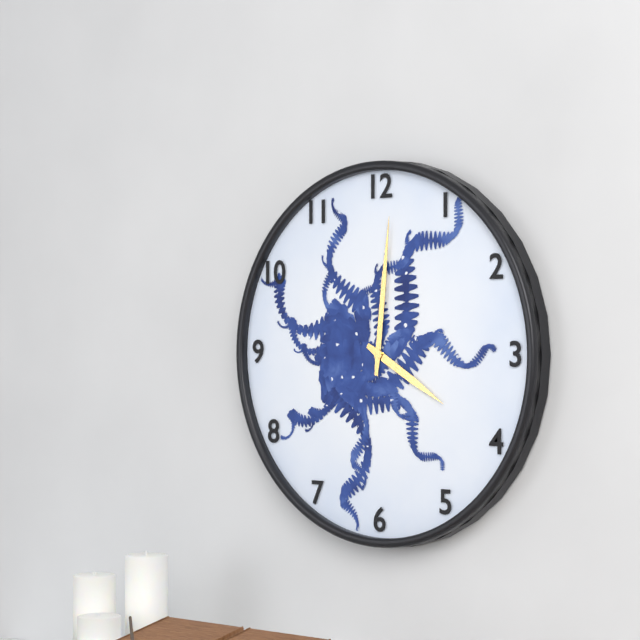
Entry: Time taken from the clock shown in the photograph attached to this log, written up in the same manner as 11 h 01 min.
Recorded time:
4 h 01 min
